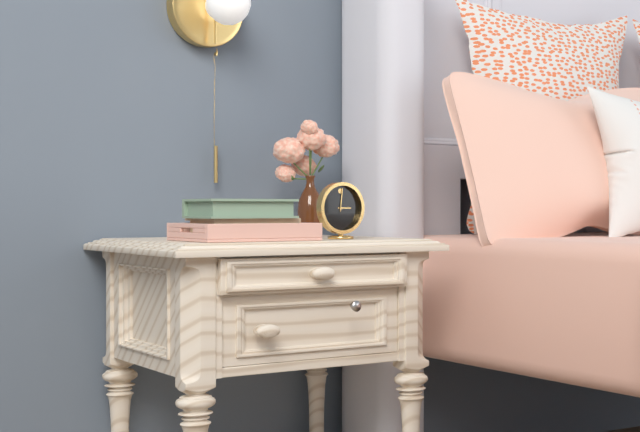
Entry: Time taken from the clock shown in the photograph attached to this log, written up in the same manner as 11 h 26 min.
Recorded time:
3 h 01 min
